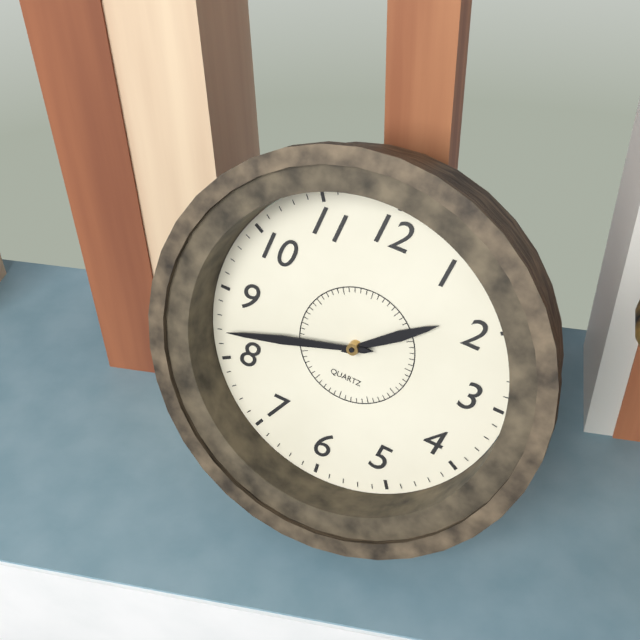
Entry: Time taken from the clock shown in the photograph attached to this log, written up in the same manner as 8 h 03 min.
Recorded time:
1 h 42 min
